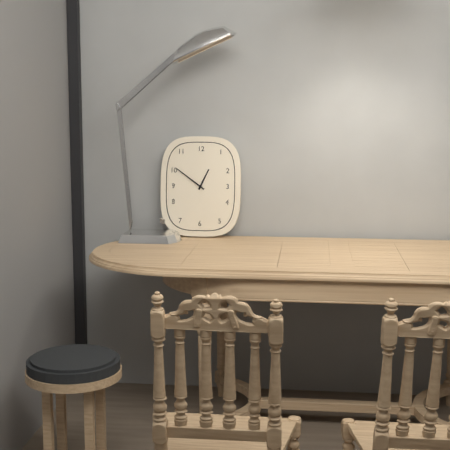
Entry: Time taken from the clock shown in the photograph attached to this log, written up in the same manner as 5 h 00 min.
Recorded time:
12 h 51 min
